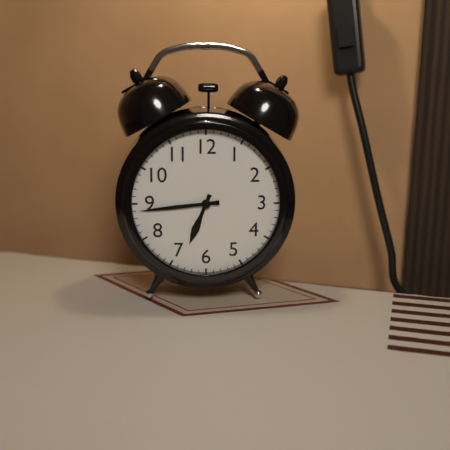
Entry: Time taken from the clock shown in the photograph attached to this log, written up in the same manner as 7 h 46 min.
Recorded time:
6 h 44 min
